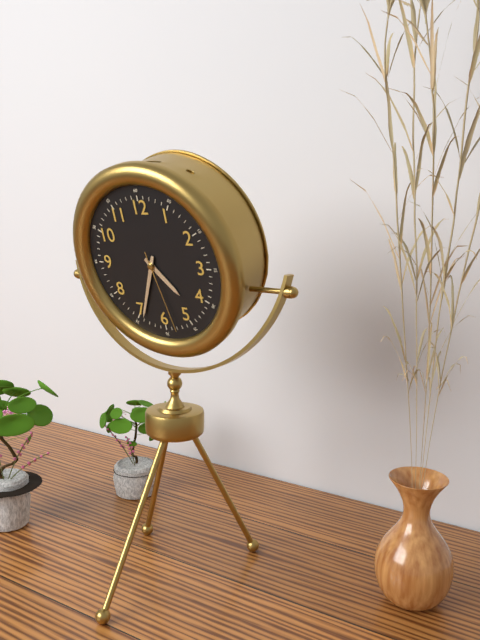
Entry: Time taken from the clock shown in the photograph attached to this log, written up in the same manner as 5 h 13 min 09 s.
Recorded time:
4 h 34 min 28 s
